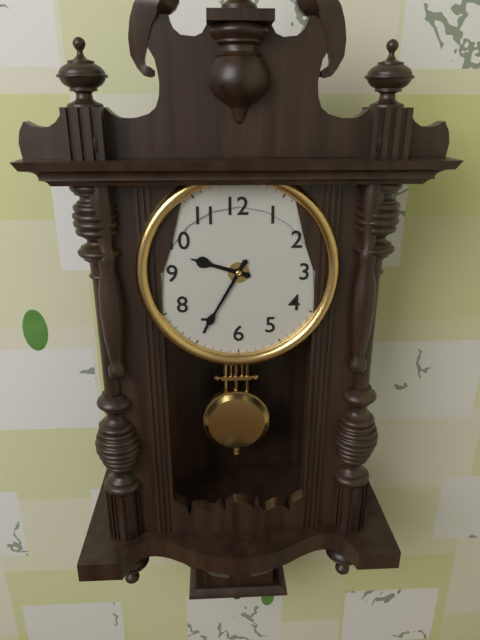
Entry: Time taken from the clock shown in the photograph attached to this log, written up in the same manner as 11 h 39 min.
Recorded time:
9 h 35 min
